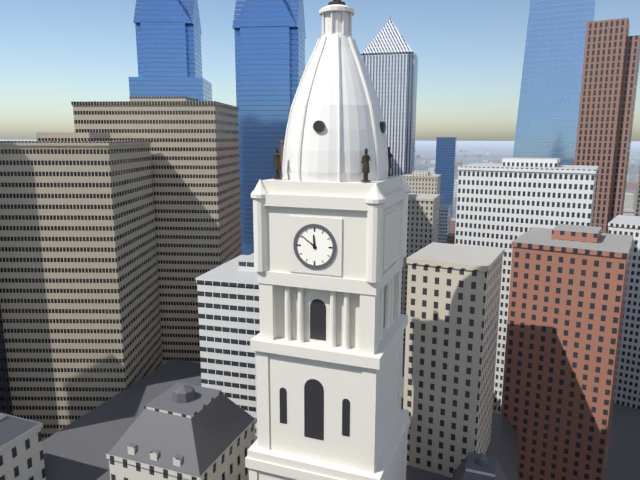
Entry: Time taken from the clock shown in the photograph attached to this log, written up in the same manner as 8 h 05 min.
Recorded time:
11 h 51 min
